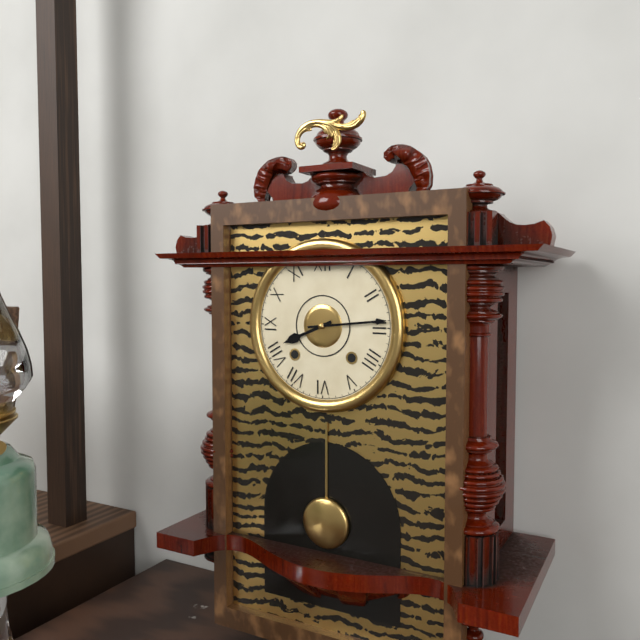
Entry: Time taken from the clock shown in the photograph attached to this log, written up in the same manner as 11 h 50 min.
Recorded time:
8 h 14 min
